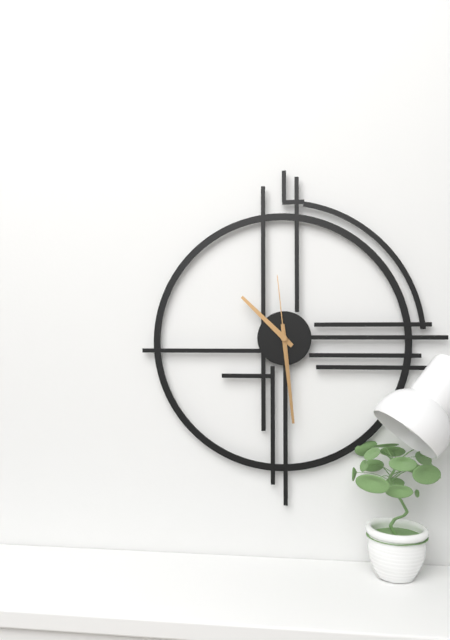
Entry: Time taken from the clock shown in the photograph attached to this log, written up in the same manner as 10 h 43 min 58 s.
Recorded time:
10 h 29 min 59 s
